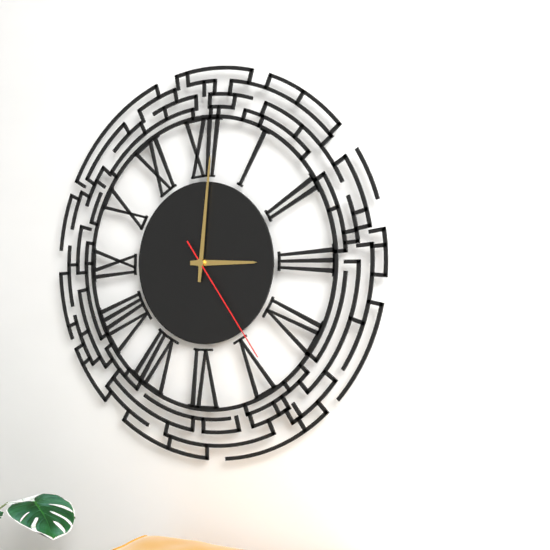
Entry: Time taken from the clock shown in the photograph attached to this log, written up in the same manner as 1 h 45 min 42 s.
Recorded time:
3 h 01 min 24 s
